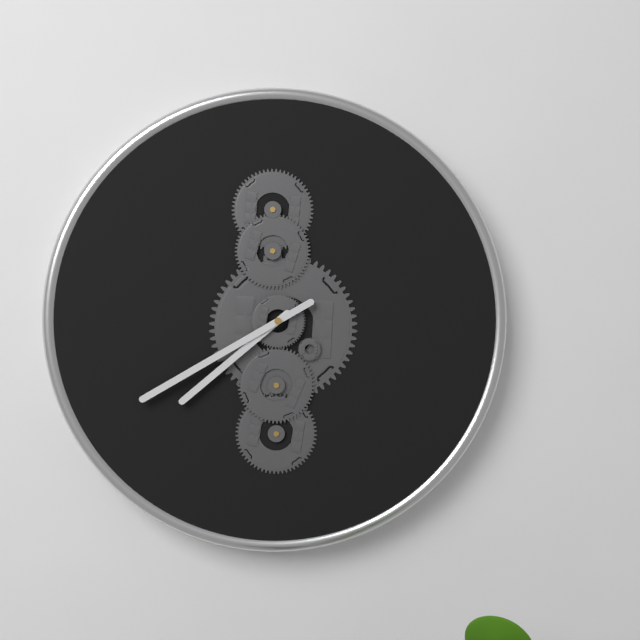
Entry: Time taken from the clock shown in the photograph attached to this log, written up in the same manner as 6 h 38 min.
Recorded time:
7 h 40 min
